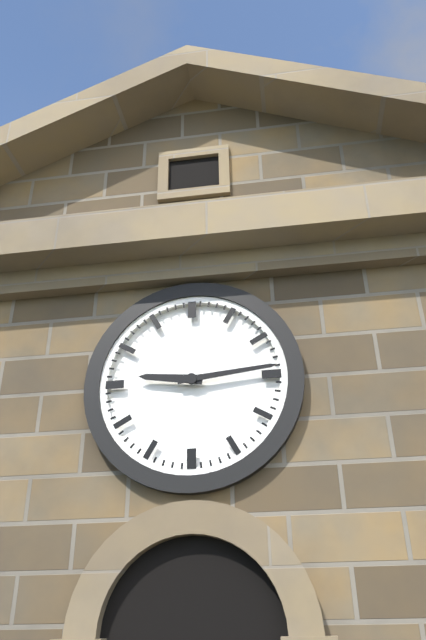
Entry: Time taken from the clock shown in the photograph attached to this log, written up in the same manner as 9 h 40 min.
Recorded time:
9 h 14 min
